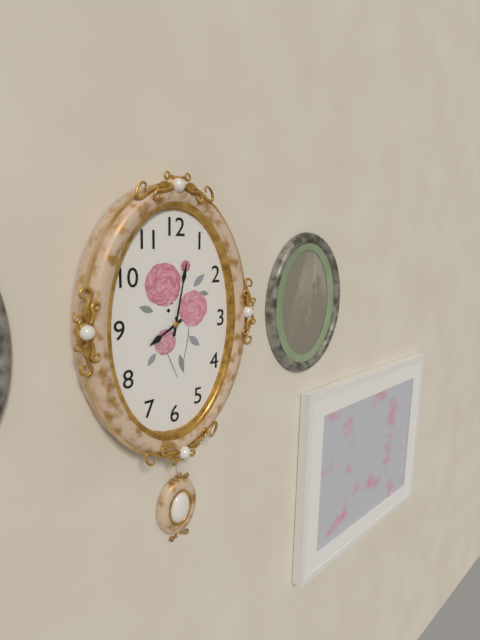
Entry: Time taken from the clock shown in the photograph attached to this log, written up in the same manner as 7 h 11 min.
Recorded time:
8 h 02 min
